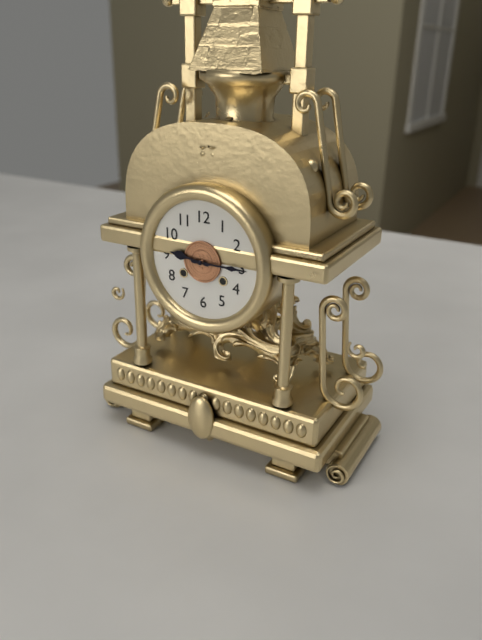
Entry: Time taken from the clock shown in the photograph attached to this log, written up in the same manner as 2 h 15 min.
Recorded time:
9 h 15 min
